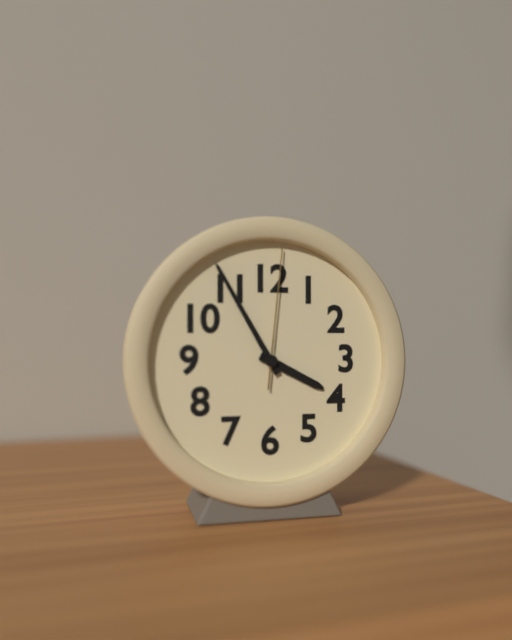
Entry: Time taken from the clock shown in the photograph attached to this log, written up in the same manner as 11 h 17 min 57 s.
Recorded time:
3 h 55 min 01 s
